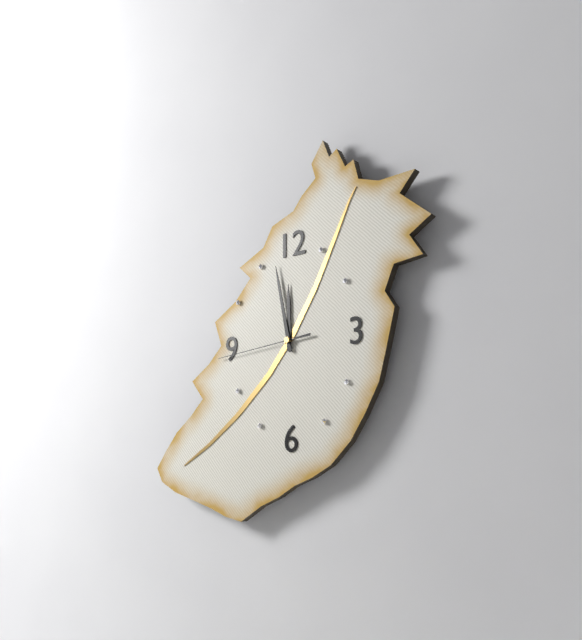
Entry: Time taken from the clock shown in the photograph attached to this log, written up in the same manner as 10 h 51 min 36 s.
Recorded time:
11 h 58 min 44 s
